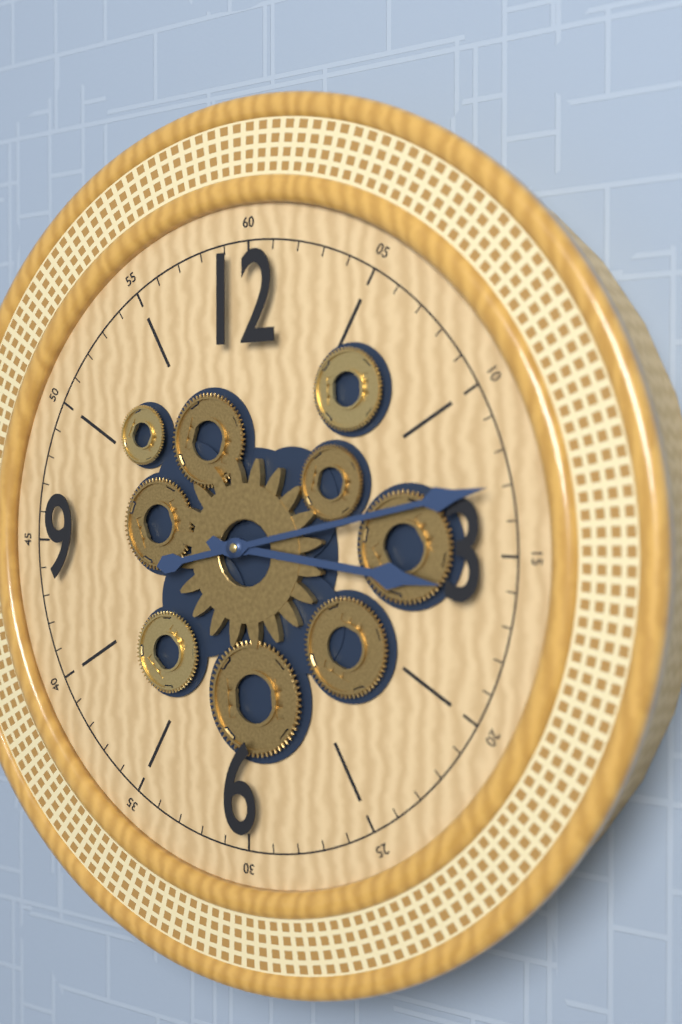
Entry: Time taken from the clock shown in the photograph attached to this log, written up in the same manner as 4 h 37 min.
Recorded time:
3 h 13 min
